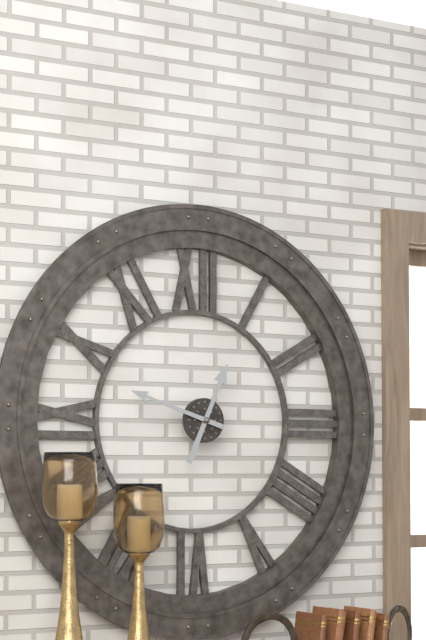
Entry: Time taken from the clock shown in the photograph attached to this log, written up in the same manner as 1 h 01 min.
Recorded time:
12 h 48 min
